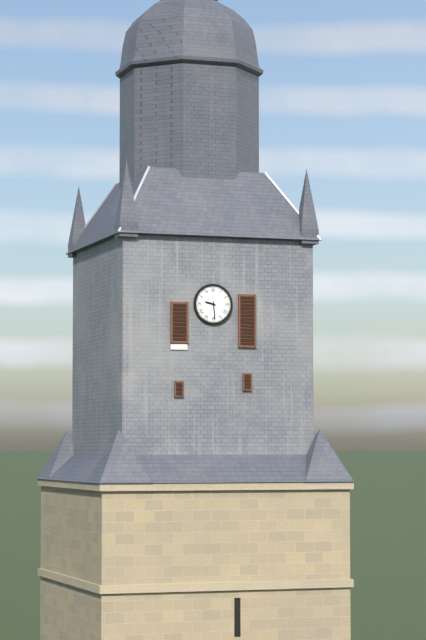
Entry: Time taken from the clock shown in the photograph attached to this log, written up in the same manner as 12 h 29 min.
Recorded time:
9 h 29 min
